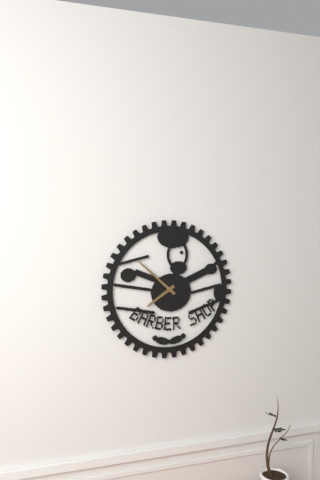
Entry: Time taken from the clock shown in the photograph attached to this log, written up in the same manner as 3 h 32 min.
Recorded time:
7 h 52 min
